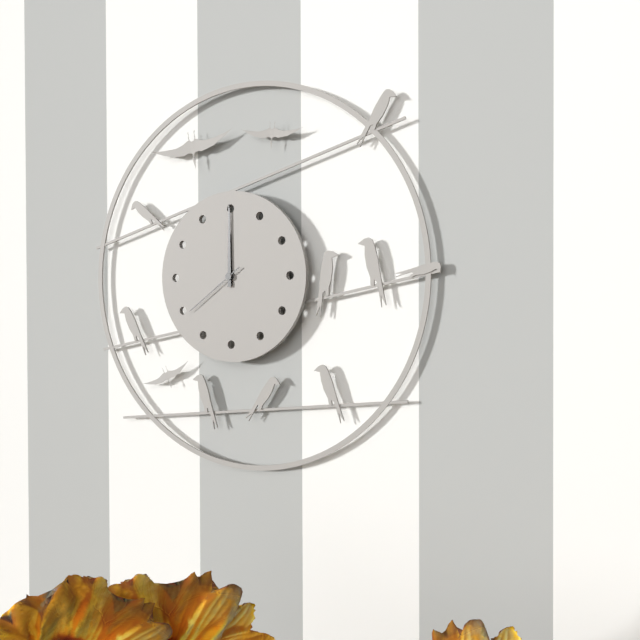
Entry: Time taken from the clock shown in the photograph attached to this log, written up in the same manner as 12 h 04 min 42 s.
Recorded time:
12 h 00 min 39 s
